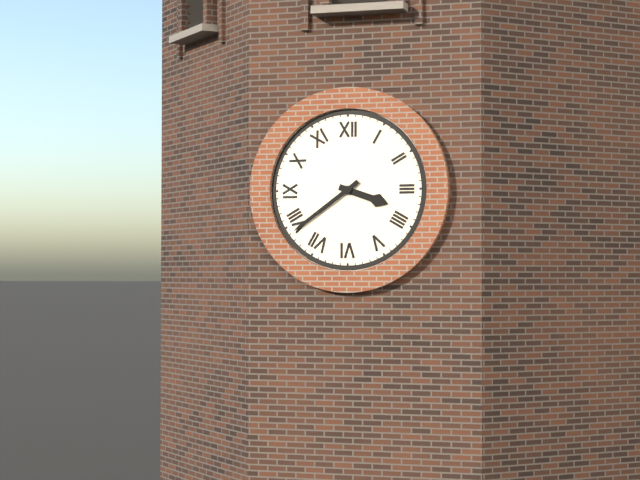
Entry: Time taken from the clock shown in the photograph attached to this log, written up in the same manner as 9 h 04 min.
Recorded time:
3 h 39 min
